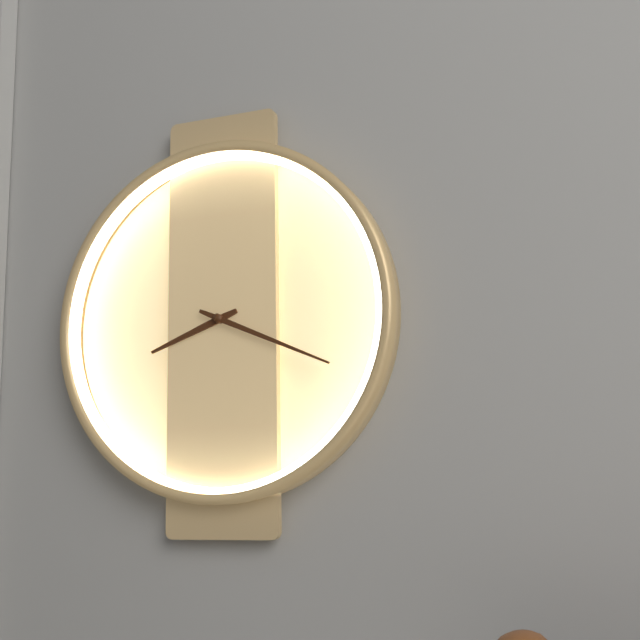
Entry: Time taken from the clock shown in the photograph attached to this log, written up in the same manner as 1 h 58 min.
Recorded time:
8 h 19 min
